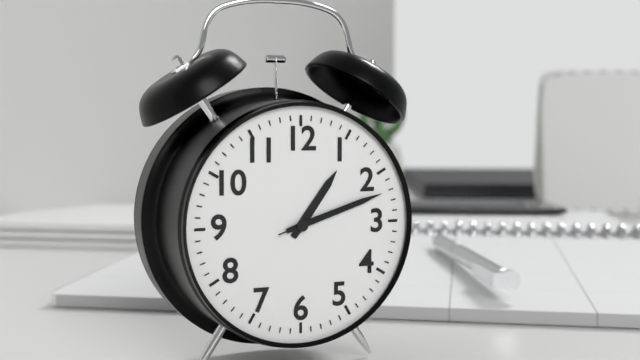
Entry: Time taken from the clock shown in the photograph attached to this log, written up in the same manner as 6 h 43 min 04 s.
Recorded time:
1 h 12 min 12 s
